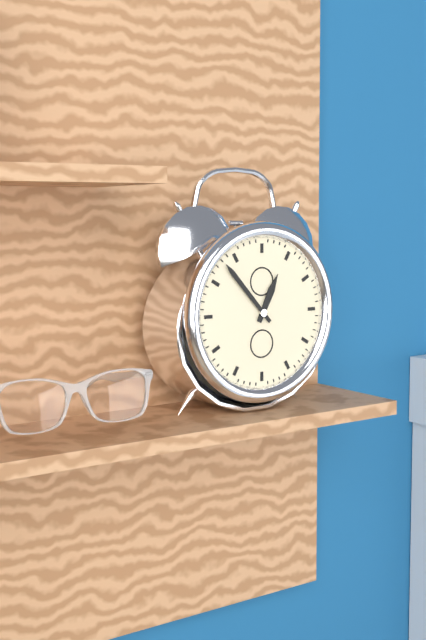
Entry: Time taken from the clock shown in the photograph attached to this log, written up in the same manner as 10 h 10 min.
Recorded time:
12 h 53 min
